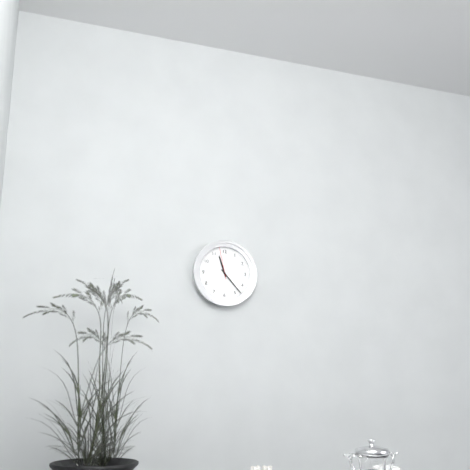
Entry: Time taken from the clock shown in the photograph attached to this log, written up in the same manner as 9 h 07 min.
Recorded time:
11 h 23 min
